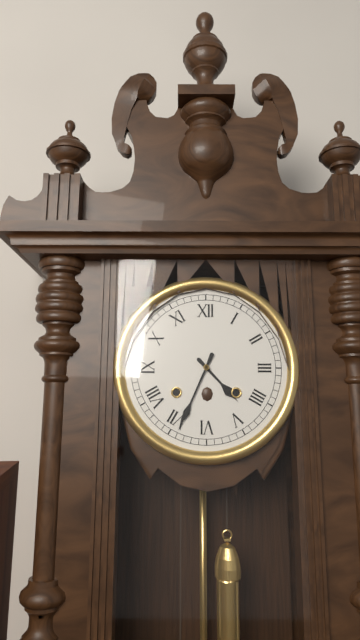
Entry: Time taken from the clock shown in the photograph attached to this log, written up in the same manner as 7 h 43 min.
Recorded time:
4 h 34 min
